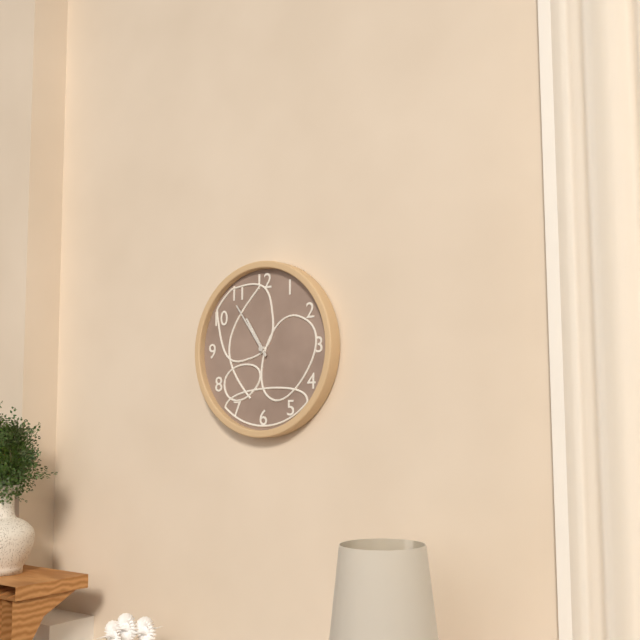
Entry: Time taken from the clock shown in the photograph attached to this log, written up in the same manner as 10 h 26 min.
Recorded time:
10 h 54 min
